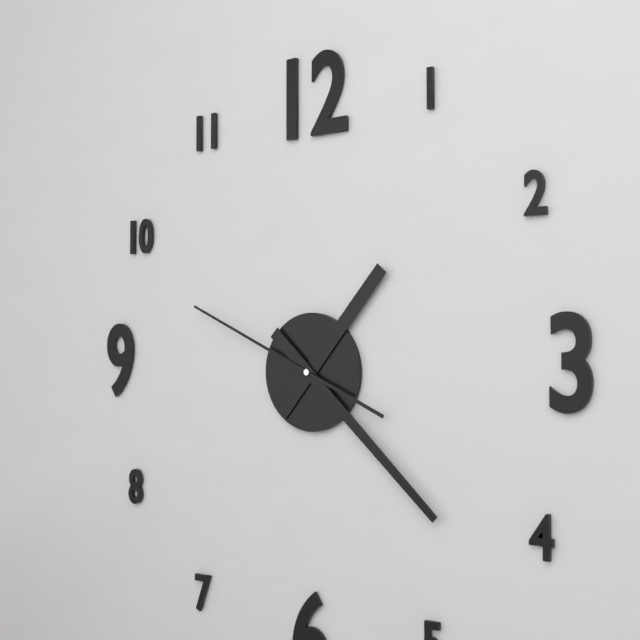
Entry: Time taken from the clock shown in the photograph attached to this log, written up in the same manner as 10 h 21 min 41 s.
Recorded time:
1 h 22 min 49 s
